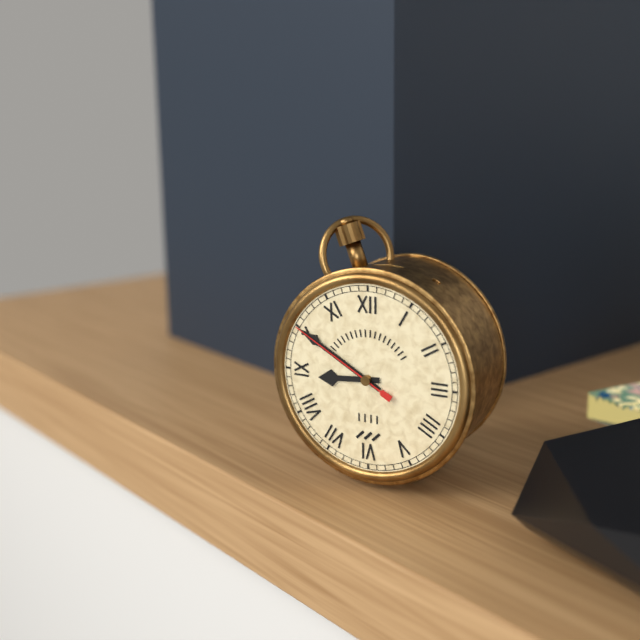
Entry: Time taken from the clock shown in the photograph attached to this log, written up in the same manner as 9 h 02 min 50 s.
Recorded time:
8 h 50 min 50 s
